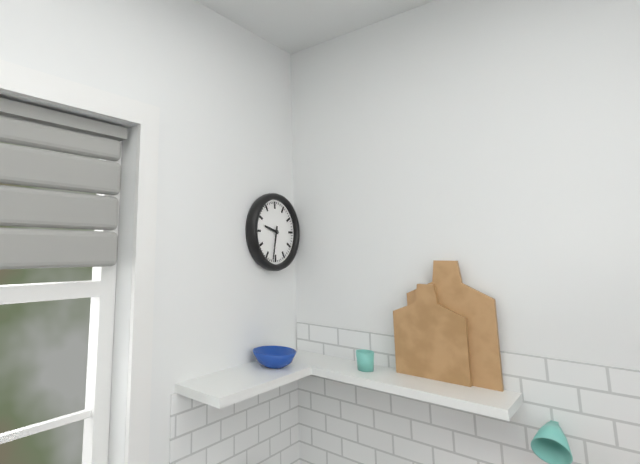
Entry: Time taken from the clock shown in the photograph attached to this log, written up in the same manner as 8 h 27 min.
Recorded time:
9 h 32 min
